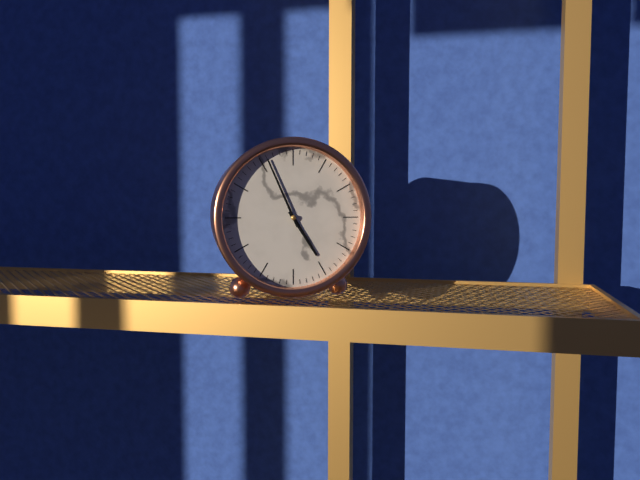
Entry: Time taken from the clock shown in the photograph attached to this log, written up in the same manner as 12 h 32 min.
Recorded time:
4 h 56 min
